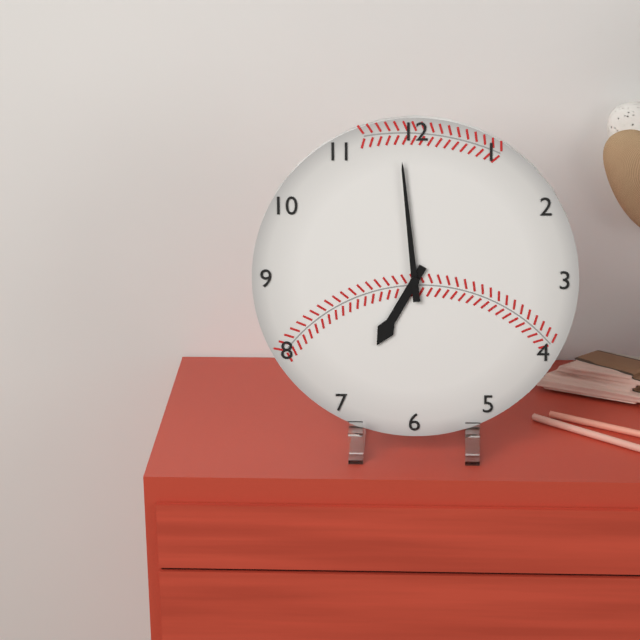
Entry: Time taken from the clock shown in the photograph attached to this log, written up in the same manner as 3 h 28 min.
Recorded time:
6 h 59 min
